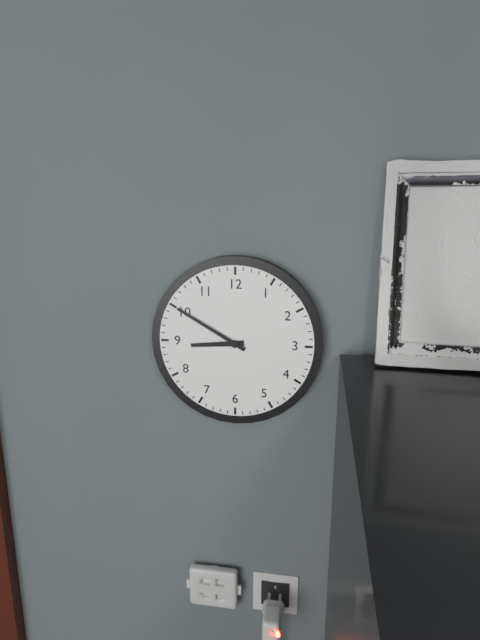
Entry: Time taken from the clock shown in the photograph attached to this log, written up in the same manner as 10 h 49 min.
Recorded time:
8 h 50 min
